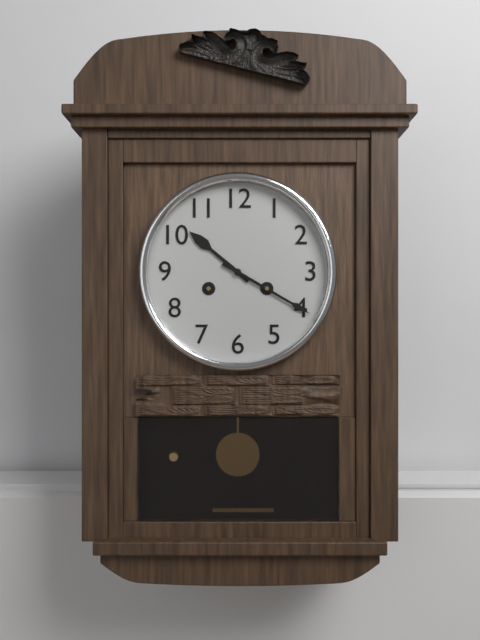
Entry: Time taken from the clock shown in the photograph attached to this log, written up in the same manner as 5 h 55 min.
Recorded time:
10 h 20 min
